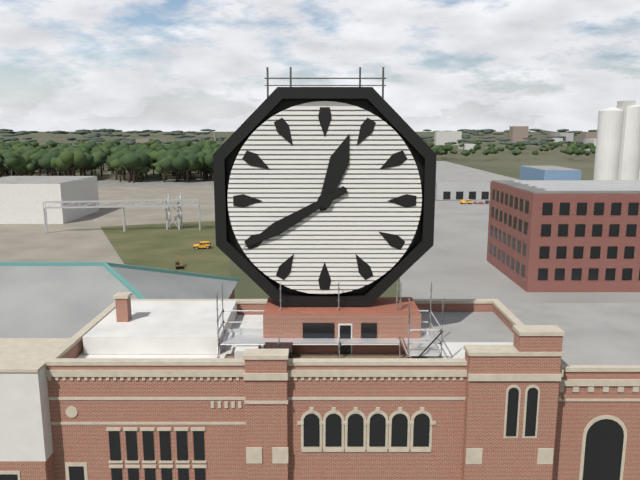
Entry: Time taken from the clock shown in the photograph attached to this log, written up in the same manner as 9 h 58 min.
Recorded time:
12 h 40 min
